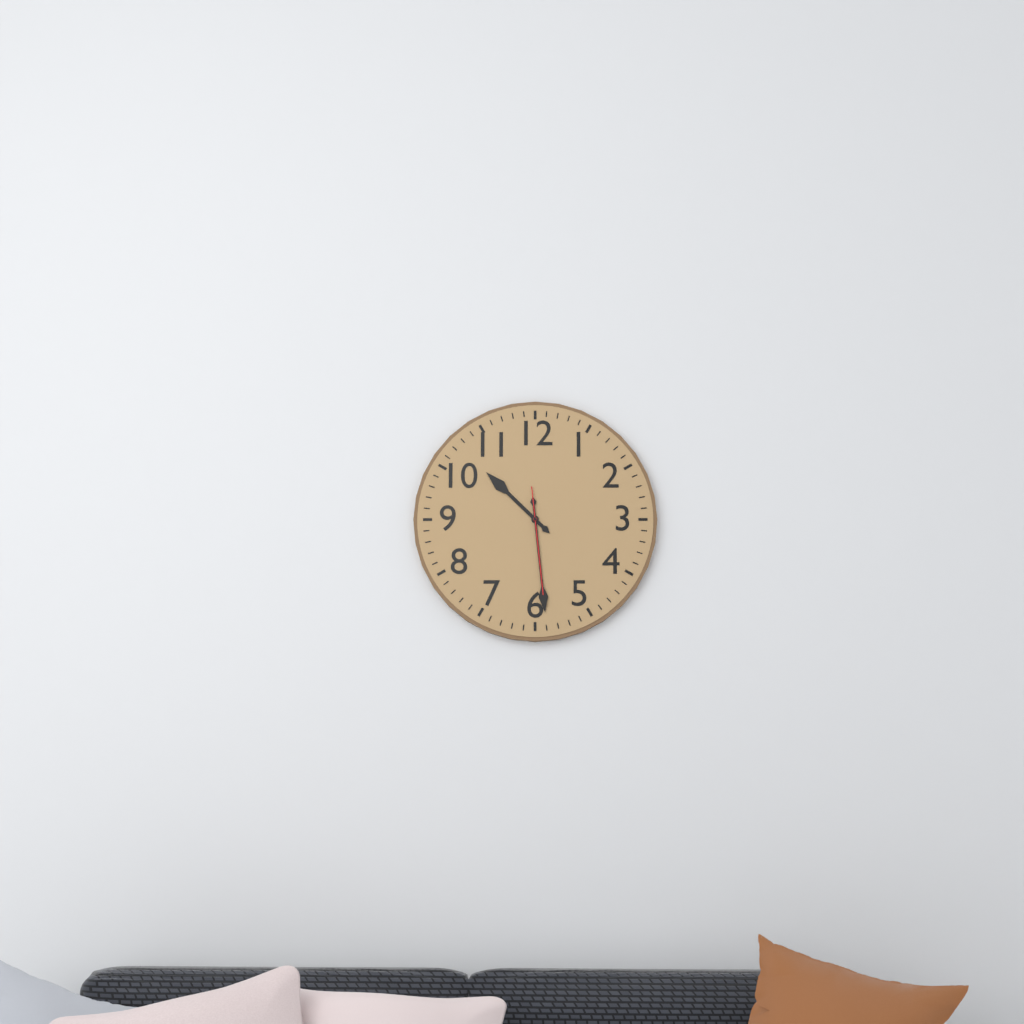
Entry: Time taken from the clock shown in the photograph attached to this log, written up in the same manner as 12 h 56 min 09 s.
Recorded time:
10 h 29 min 29 s
